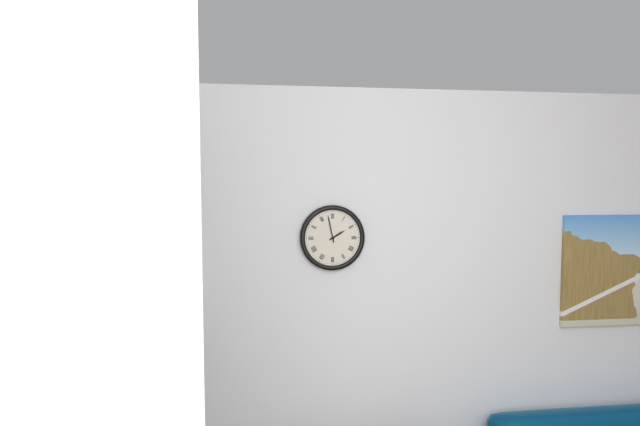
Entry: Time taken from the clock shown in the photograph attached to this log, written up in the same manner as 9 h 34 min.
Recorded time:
1 h 58 min
